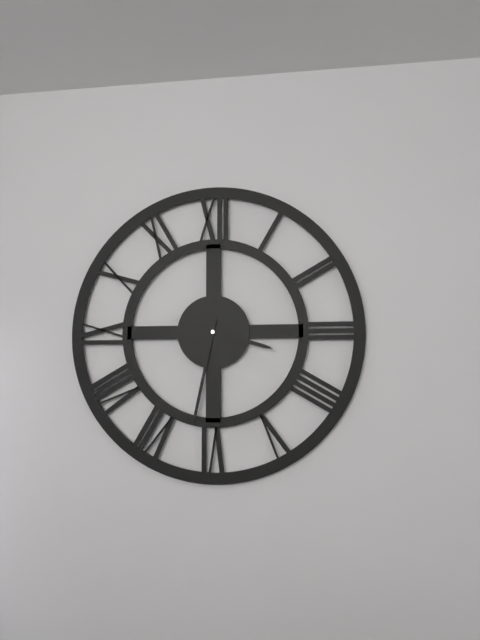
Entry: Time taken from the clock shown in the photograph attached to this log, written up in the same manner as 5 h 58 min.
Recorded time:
3 h 32 min
